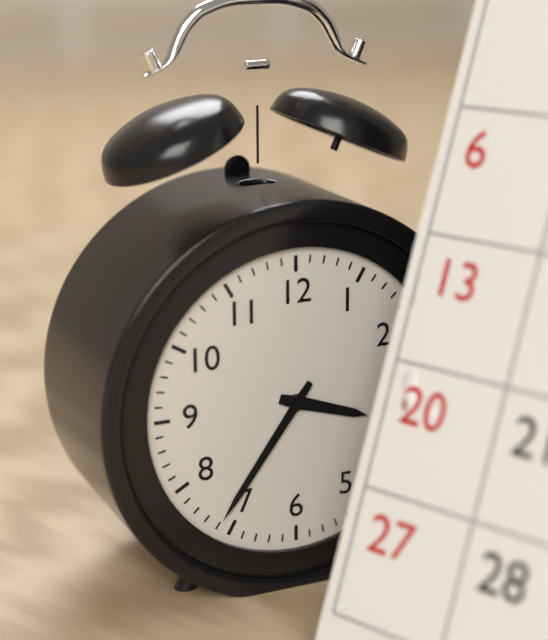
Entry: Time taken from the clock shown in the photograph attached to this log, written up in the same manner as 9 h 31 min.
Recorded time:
3 h 36 min
